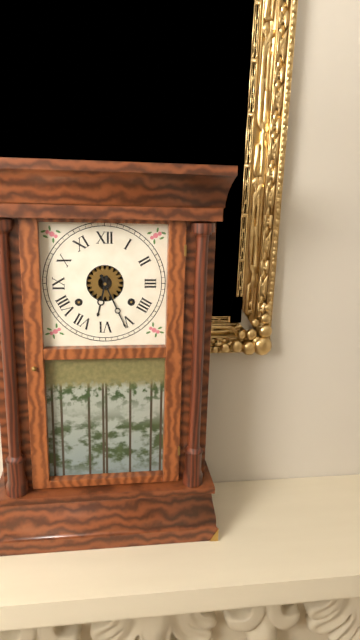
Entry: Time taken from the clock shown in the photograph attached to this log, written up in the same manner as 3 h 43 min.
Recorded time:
6 h 26 min
